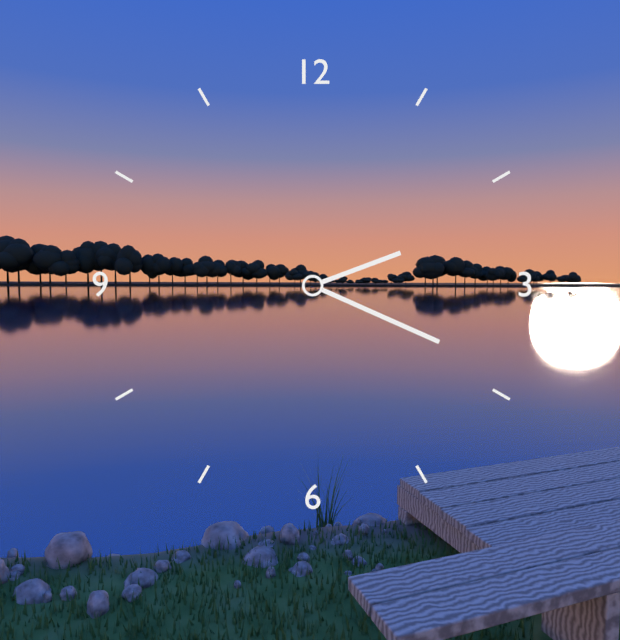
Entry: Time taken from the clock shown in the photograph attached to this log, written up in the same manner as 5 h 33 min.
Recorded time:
2 h 19 min
